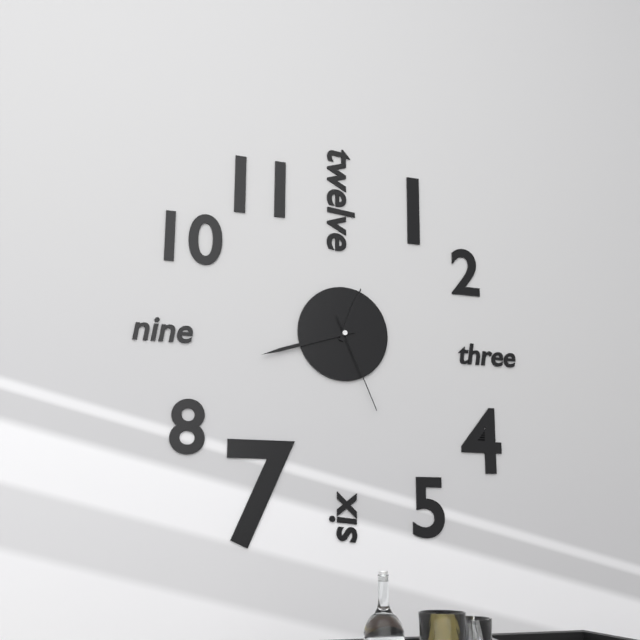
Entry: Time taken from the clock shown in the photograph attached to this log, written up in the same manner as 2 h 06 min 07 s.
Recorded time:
12 h 42 min 26 s
